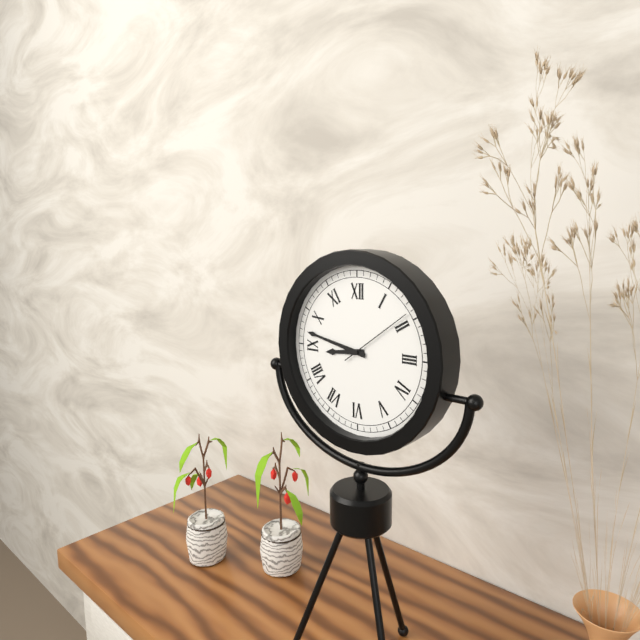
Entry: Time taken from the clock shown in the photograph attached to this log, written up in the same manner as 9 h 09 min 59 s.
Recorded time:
8 h 47 min 09 s
